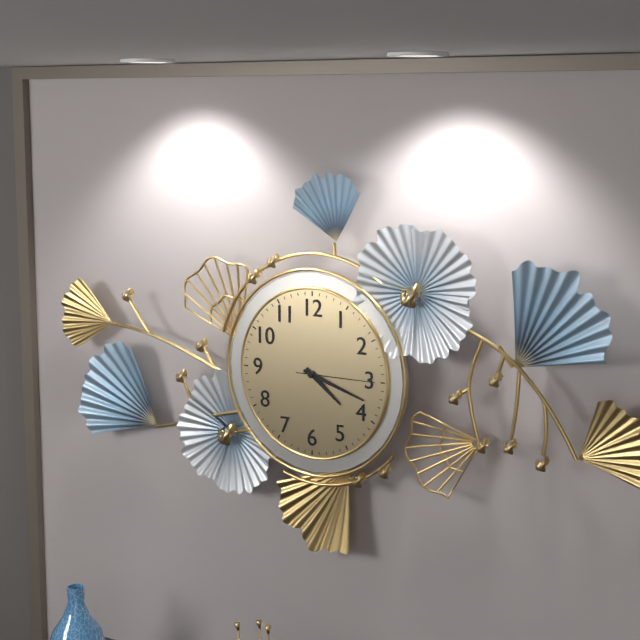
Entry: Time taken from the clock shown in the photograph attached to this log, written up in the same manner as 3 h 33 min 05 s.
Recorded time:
4 h 18 min 15 s
